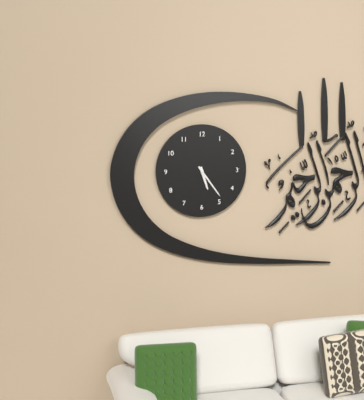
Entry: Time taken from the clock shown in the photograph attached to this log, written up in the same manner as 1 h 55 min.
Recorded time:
5 h 24 min
